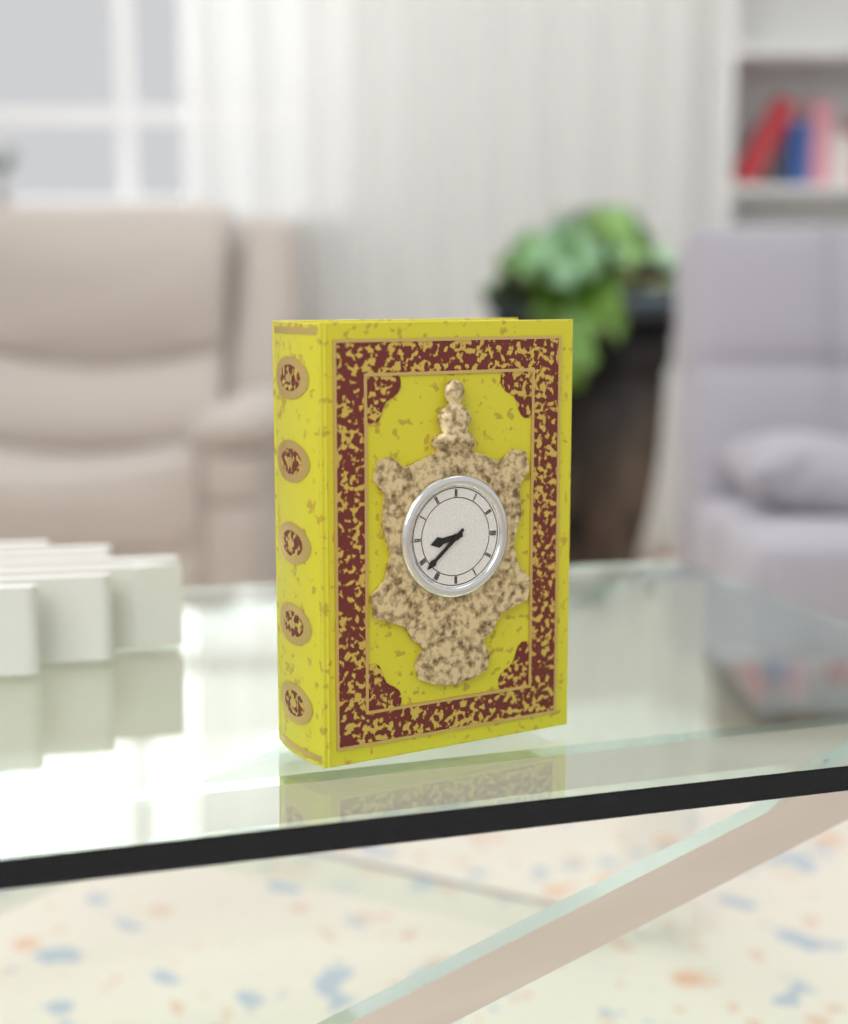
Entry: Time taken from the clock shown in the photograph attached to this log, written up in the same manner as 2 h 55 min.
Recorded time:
8 h 38 min
